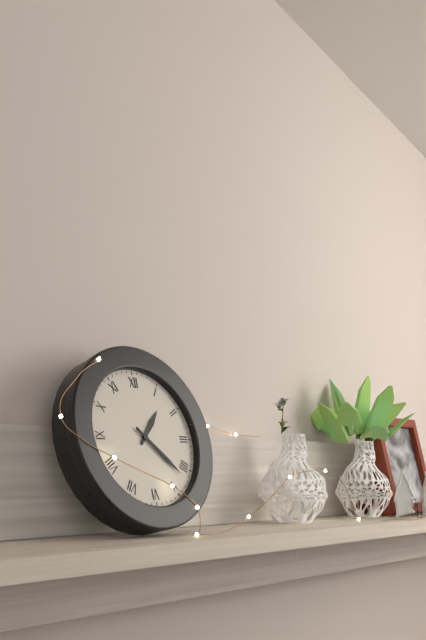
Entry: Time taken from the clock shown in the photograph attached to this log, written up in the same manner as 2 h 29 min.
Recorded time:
1 h 22 min
